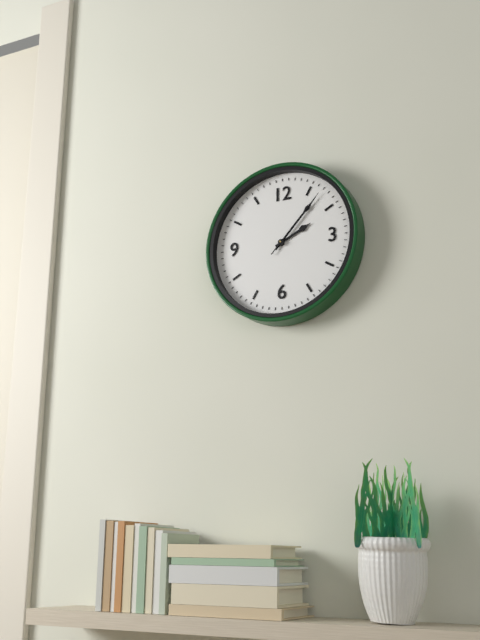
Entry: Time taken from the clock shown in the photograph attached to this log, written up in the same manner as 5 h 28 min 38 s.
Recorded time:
2 h 07 min 07 s
